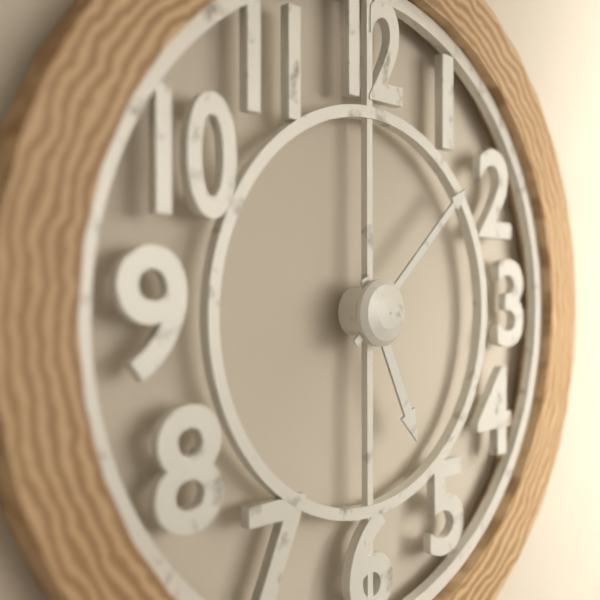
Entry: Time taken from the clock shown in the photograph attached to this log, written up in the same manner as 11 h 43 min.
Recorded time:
5 h 08 min
